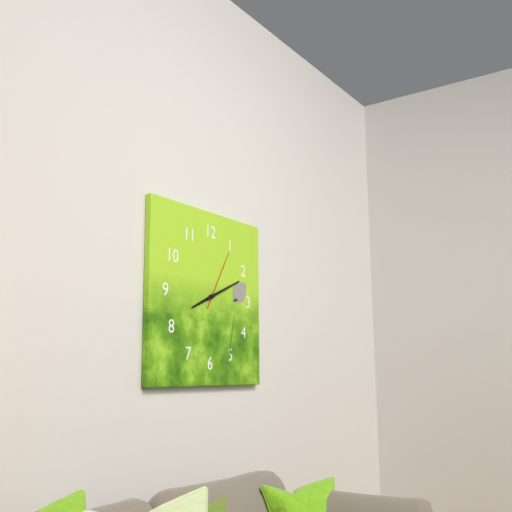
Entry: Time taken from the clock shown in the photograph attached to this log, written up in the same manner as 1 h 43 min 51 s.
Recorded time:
8 h 11 min 05 s
